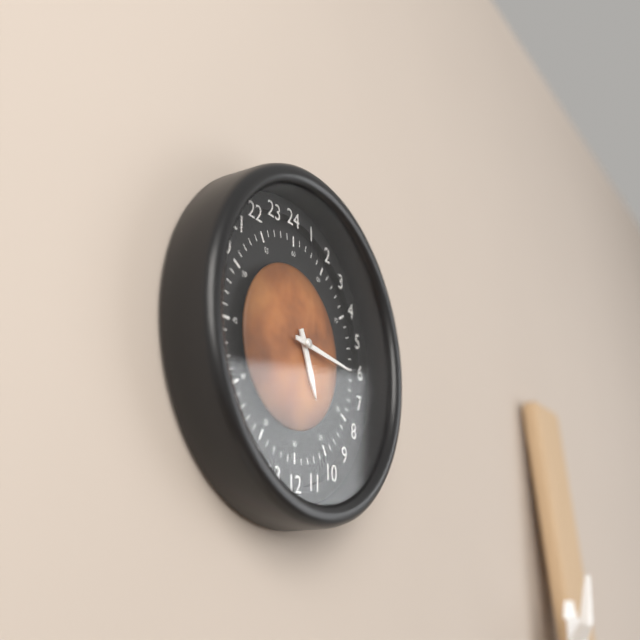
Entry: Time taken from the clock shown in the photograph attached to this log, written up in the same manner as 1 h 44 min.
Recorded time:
5 h 16 min
